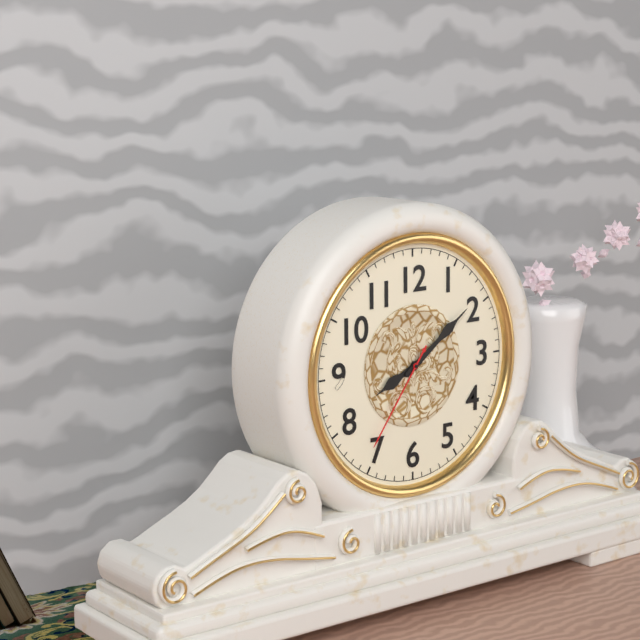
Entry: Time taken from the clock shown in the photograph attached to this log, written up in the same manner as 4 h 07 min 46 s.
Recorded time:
8 h 09 min 36 s
